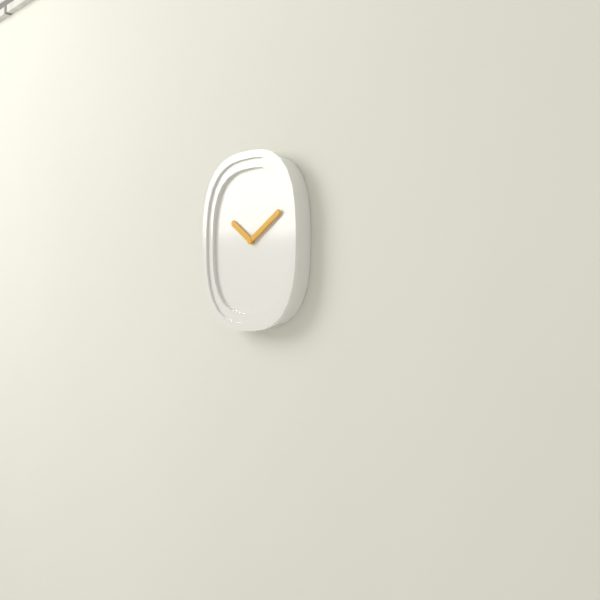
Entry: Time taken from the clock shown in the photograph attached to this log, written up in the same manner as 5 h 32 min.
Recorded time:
10 h 10 min
